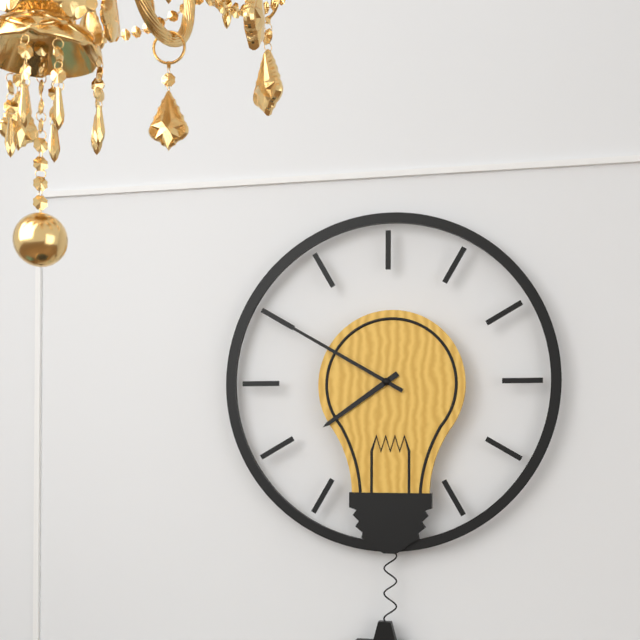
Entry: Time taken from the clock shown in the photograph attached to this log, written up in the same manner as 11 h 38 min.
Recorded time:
7 h 50 min
